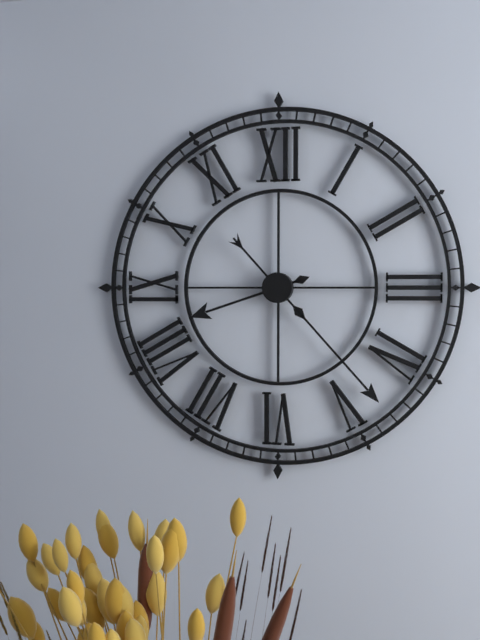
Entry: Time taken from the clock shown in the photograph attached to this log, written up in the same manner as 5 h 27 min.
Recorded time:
8 h 23 min
